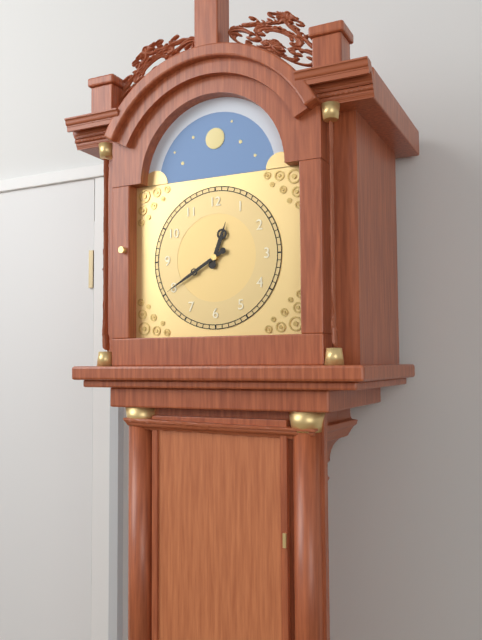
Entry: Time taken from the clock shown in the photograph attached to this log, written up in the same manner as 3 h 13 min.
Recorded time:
12 h 40 min
